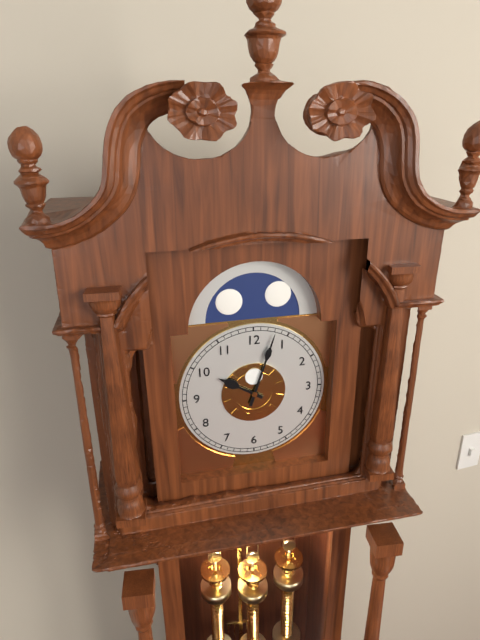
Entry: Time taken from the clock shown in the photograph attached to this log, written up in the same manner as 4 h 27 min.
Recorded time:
10 h 03 min
